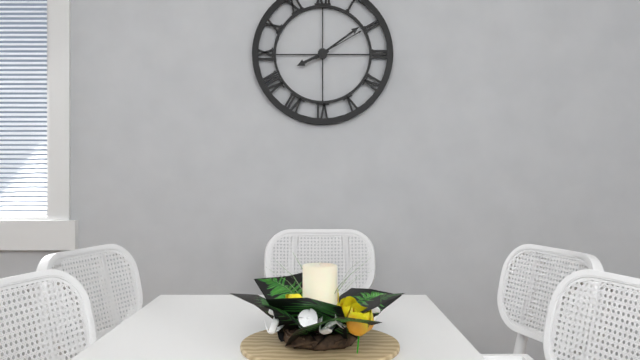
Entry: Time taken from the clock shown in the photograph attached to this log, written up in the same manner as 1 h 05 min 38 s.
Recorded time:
8 h 09 min 10 s
